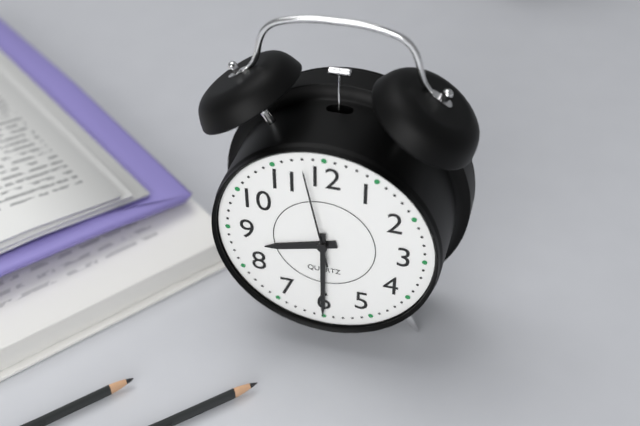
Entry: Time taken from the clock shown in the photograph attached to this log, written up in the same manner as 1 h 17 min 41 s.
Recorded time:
8 h 30 min 58 s
